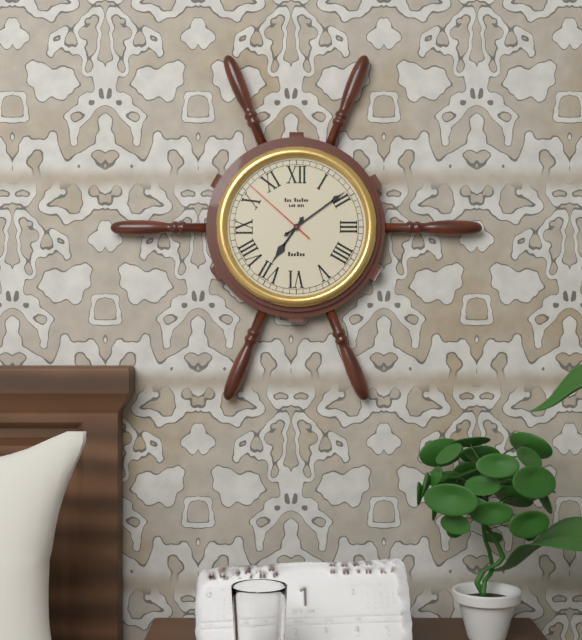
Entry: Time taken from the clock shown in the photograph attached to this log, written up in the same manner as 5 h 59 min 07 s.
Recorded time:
7 h 09 min 52 s
